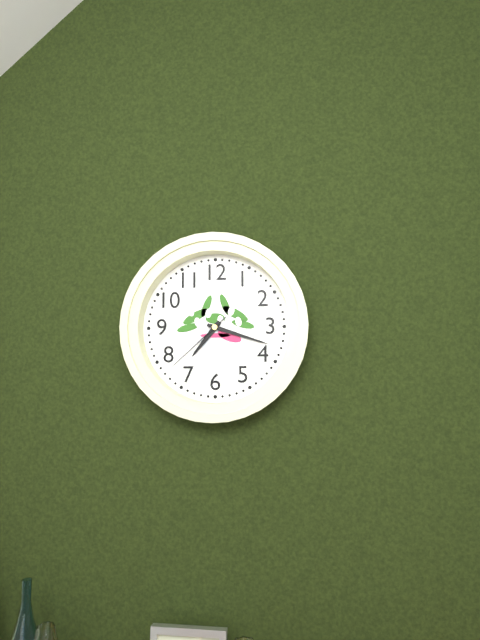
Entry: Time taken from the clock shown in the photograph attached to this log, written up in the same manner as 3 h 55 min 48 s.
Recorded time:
7 h 18 min 38 s
